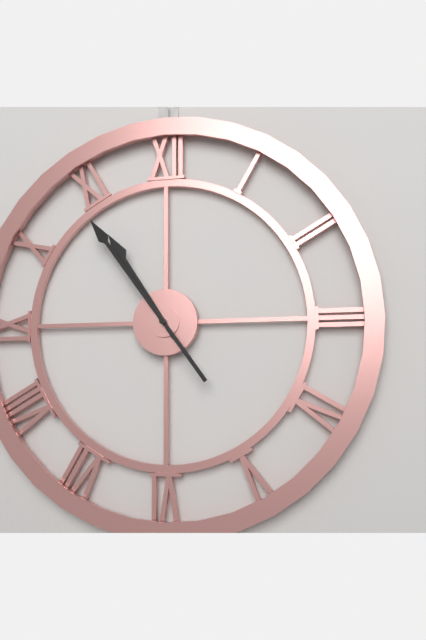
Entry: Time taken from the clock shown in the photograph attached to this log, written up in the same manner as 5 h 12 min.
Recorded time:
10 h 54 min
